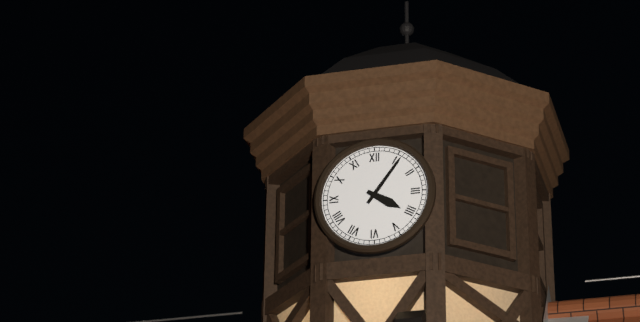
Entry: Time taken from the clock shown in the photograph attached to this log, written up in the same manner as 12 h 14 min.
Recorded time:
4 h 06 min
